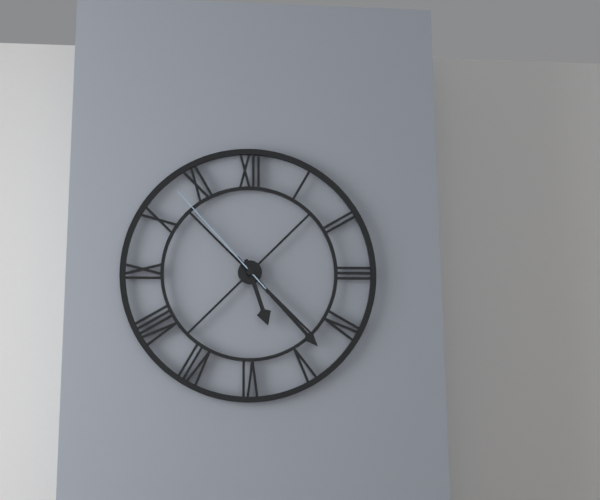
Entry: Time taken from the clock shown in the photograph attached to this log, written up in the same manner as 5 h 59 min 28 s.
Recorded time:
5 h 23 min 53 s
